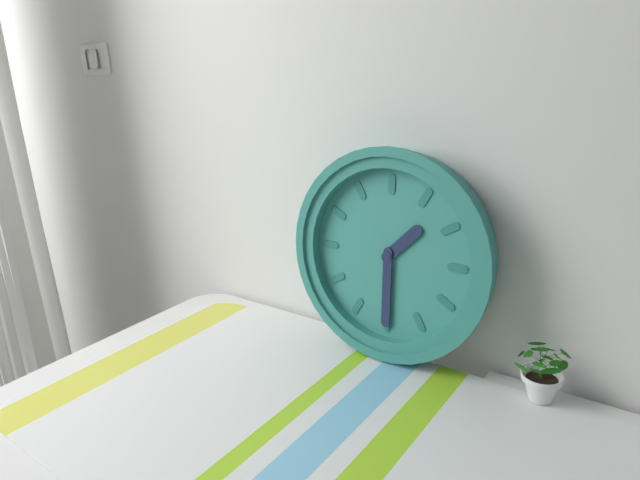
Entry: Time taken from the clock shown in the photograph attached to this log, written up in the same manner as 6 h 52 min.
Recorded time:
1 h 30 min
